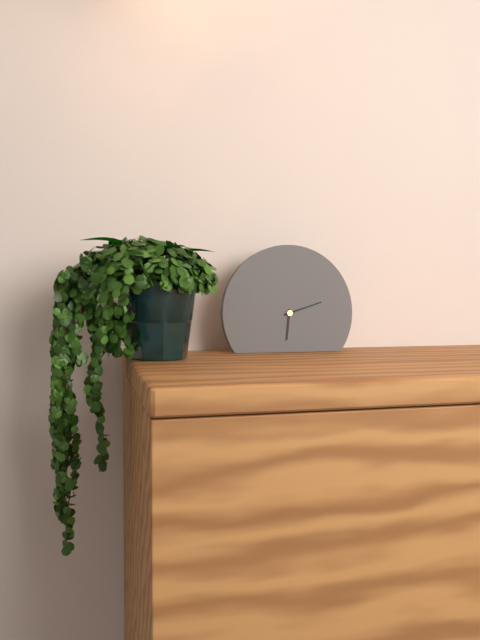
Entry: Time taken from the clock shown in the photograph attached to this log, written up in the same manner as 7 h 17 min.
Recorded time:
6 h 12 min
